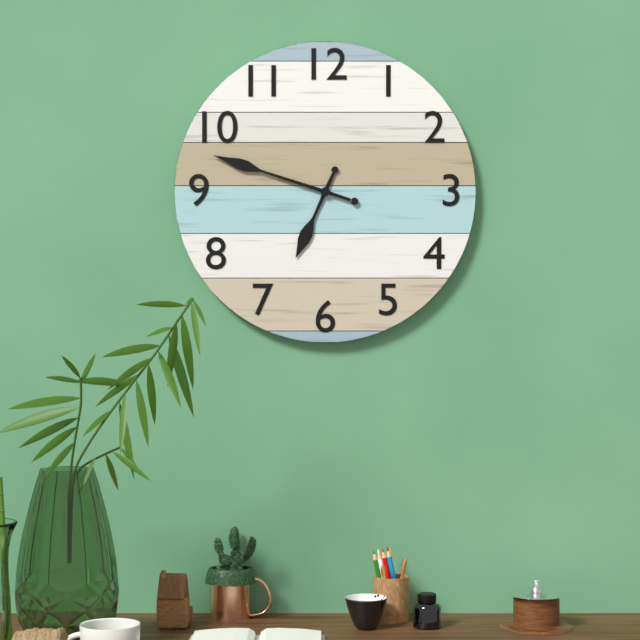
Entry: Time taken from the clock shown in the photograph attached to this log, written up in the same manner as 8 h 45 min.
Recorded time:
6 h 48 min
